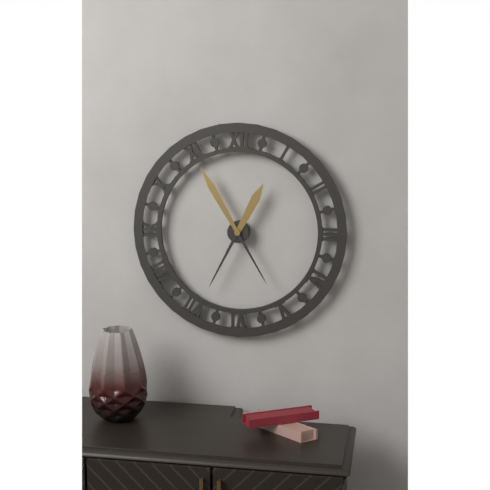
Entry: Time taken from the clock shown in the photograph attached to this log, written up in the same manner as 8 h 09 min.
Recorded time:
12 h 55 min
